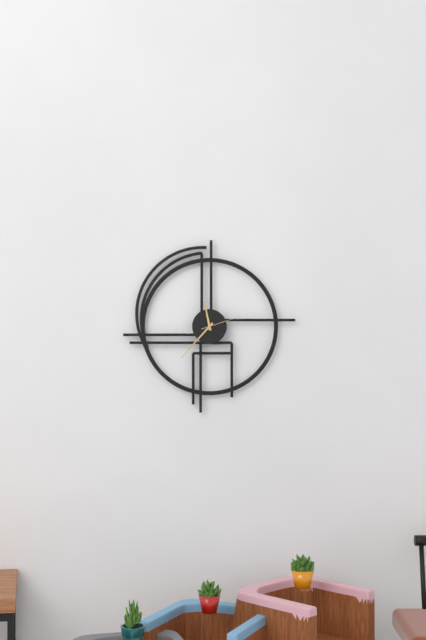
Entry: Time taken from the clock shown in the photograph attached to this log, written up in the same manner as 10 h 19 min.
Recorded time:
11 h 37 min
